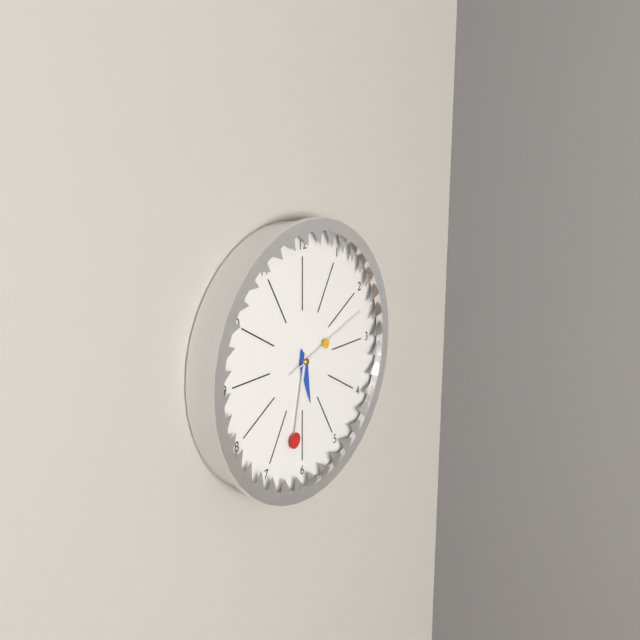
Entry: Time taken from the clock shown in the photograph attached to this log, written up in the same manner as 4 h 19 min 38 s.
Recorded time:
5 h 32 min 12 s
